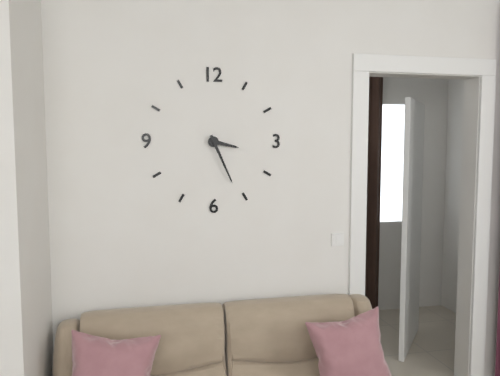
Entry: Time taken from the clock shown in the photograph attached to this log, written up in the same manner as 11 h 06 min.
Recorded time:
3 h 26 min
